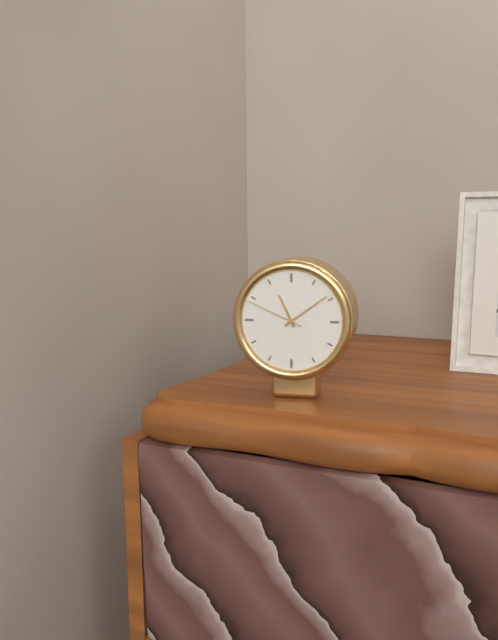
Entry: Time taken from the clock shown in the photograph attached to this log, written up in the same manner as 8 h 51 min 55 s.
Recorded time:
11 h 09 min 49 s
